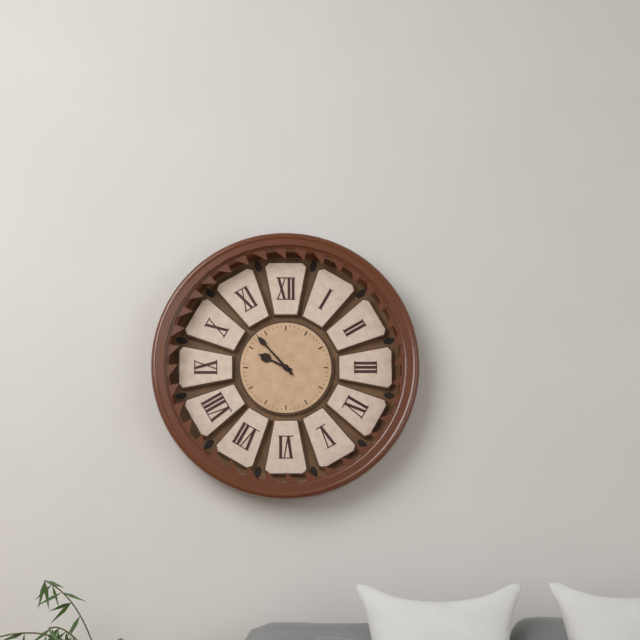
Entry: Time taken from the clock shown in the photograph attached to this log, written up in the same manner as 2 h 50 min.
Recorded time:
9 h 53 min
